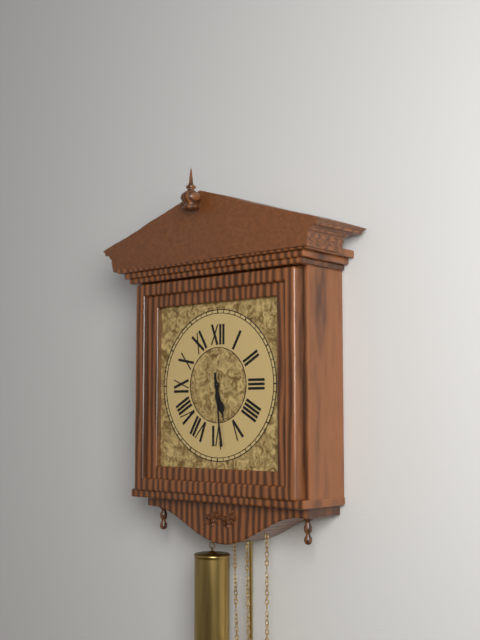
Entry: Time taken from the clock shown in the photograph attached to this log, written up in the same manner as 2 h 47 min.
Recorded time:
5 h 29 min
